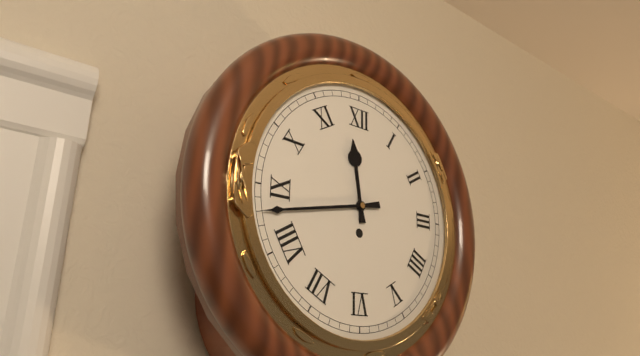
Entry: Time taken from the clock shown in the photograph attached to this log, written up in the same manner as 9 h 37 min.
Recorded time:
11 h 43 min
